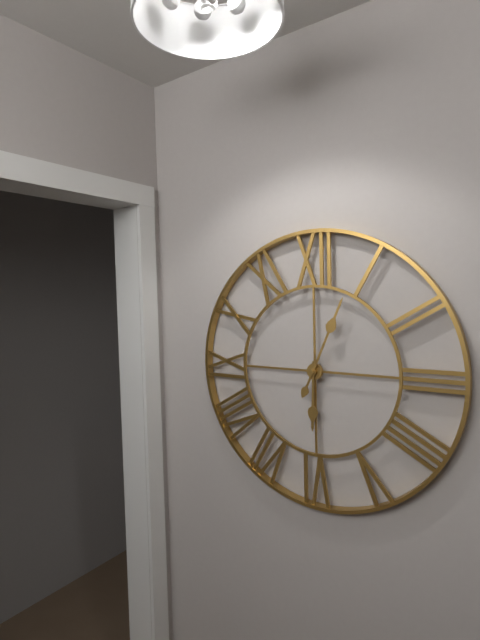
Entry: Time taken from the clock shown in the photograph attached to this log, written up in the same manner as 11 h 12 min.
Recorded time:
6 h 04 min
